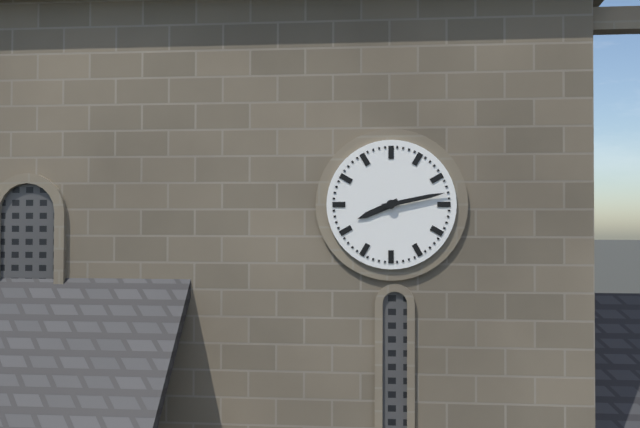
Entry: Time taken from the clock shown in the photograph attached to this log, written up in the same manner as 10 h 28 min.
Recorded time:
8 h 13 min
